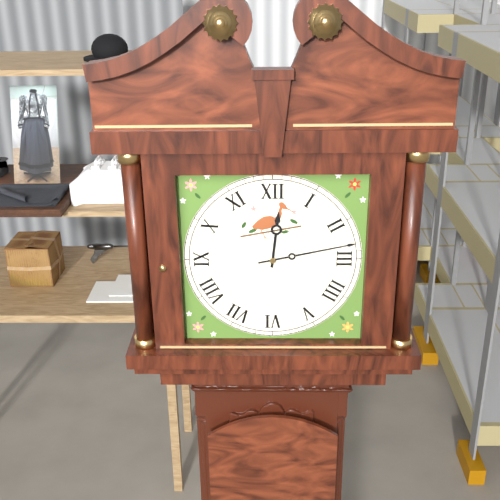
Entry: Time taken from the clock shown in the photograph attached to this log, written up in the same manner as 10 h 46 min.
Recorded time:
12 h 13 min
